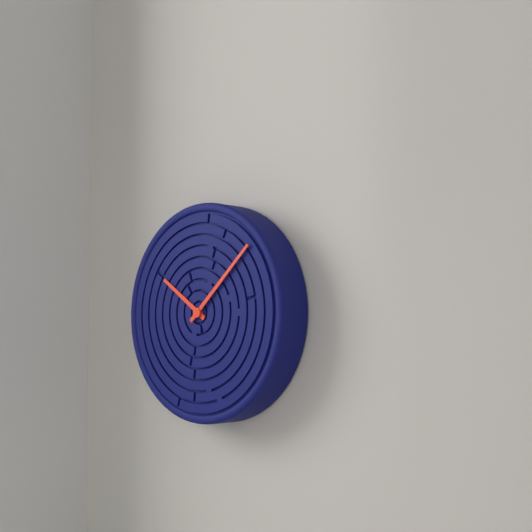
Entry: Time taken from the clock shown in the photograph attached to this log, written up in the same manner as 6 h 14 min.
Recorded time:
10 h 08 min
